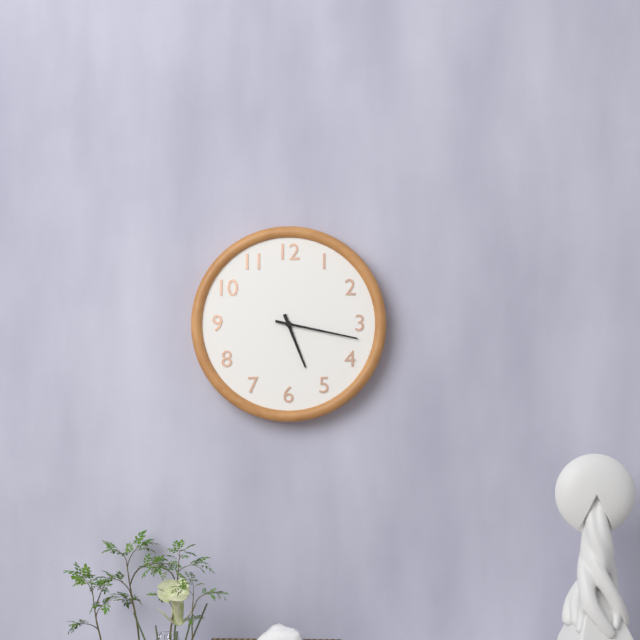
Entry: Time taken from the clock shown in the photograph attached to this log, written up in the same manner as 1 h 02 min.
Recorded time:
5 h 17 min
